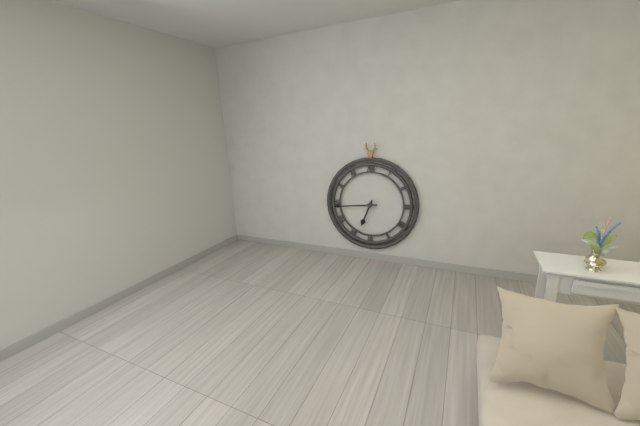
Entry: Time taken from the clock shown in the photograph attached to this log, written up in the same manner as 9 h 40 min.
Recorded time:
6 h 44 min
